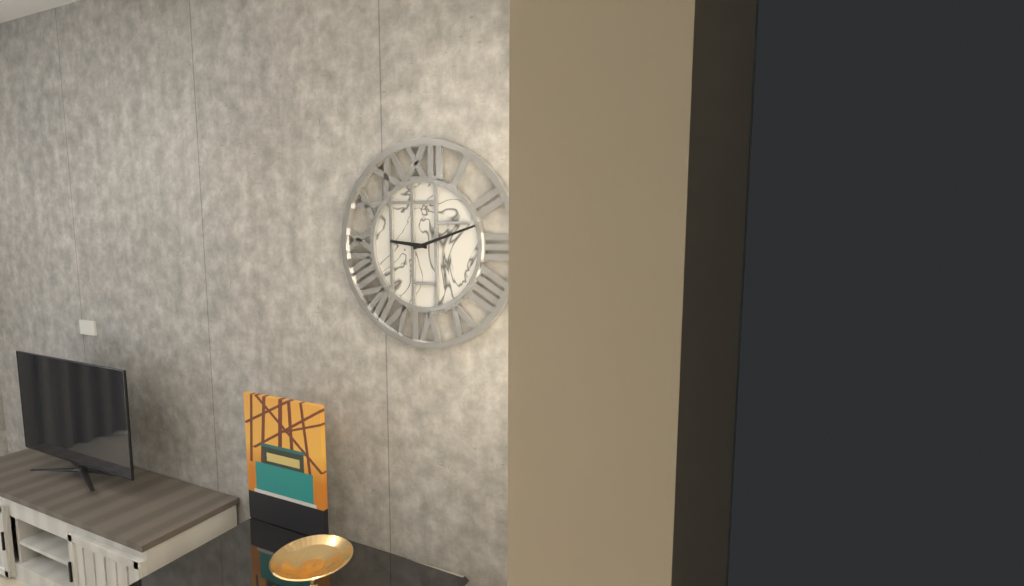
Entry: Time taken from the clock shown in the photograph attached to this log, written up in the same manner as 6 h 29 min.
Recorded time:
9 h 12 min
